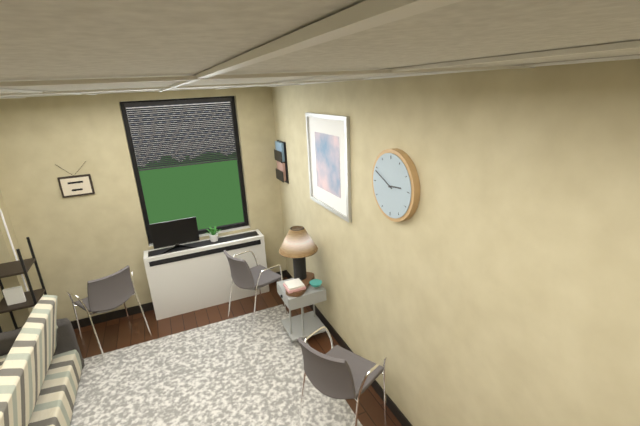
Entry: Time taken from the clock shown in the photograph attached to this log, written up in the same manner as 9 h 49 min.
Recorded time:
2 h 49 min
